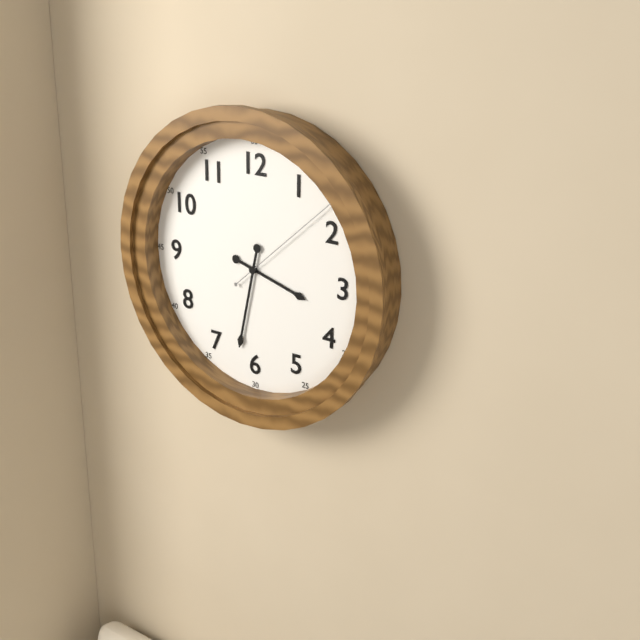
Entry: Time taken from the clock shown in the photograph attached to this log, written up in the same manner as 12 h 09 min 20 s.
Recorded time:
3 h 32 min 08 s
